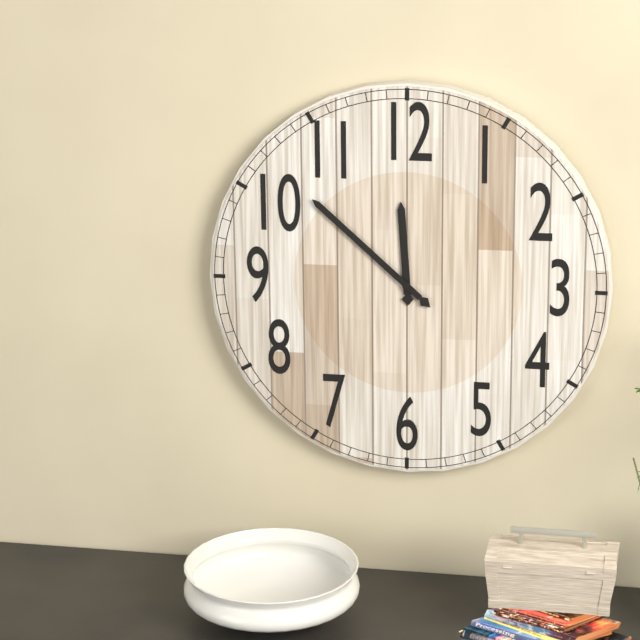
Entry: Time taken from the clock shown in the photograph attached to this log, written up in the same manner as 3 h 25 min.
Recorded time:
11 h 52 min
